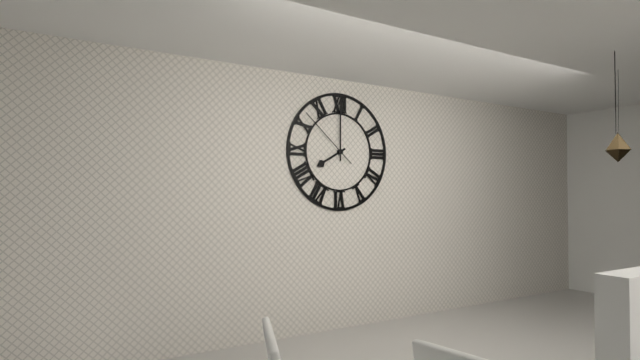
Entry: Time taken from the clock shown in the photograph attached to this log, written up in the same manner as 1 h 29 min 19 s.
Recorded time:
8 h 00 min 52 s
